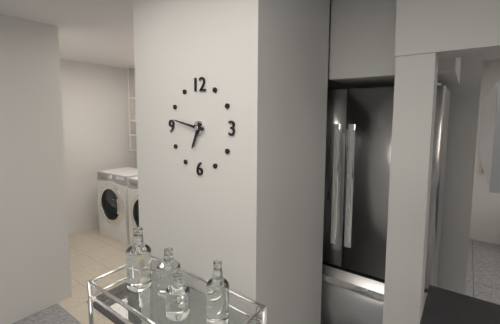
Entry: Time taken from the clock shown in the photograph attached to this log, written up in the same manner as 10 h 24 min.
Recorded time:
6 h 47 min
